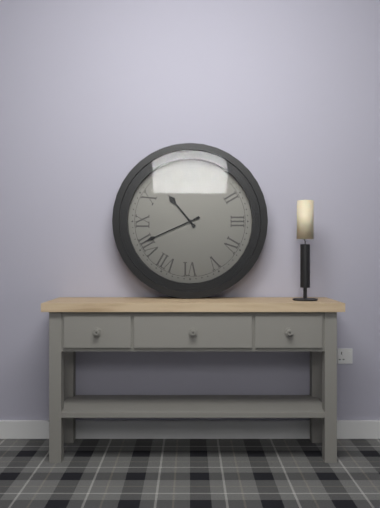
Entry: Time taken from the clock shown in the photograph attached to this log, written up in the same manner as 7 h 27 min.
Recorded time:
10 h 41 min
